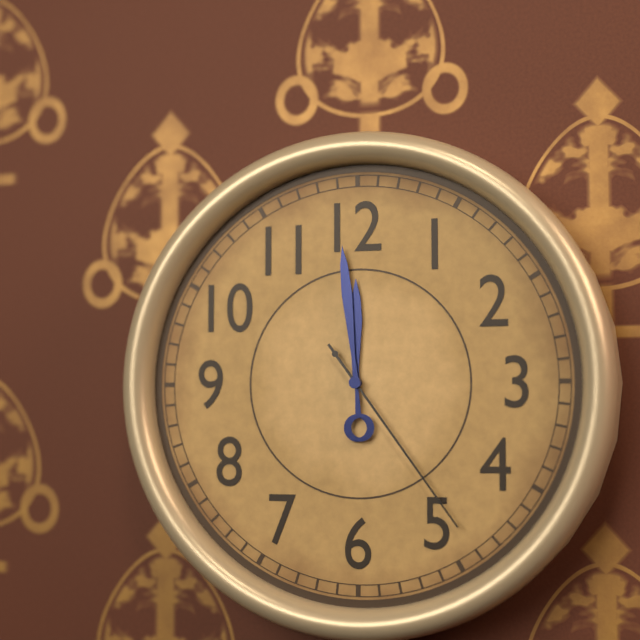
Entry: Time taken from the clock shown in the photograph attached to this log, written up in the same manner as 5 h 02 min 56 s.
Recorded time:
11 h 59 min 24 s
